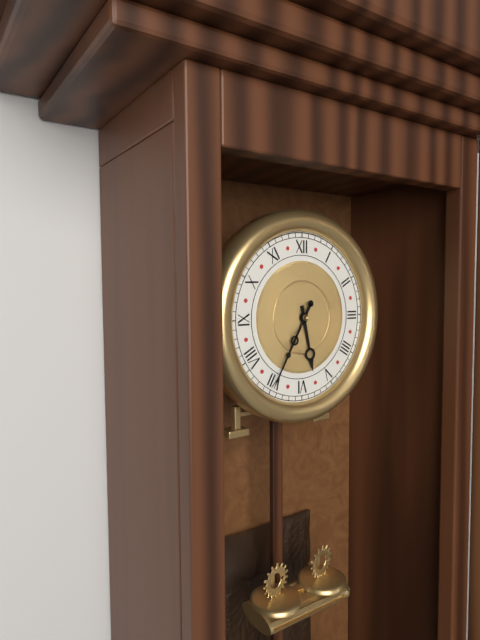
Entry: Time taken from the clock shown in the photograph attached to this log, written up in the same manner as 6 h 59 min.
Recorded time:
5 h 35 min
